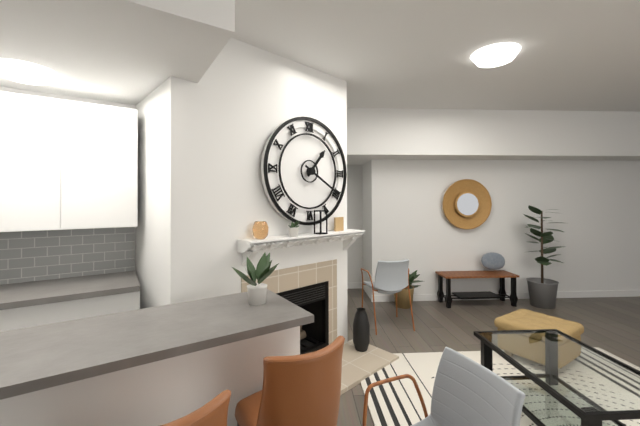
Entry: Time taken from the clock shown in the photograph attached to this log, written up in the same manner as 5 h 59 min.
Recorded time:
1 h 20 min
